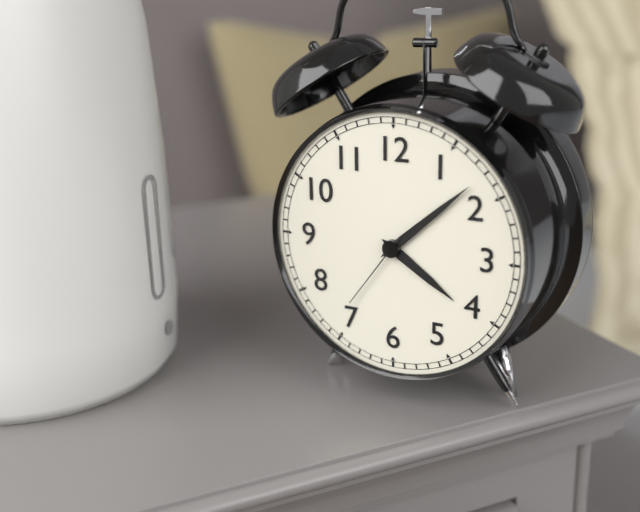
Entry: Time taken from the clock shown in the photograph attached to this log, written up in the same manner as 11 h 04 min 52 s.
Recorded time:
4 h 08 min 36 s
